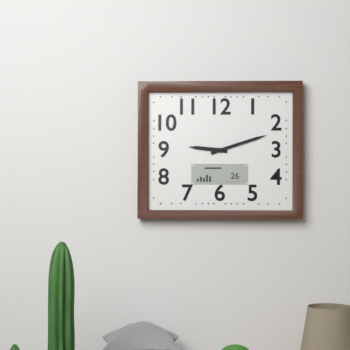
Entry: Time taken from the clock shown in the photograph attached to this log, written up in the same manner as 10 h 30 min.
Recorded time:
9 h 12 min
